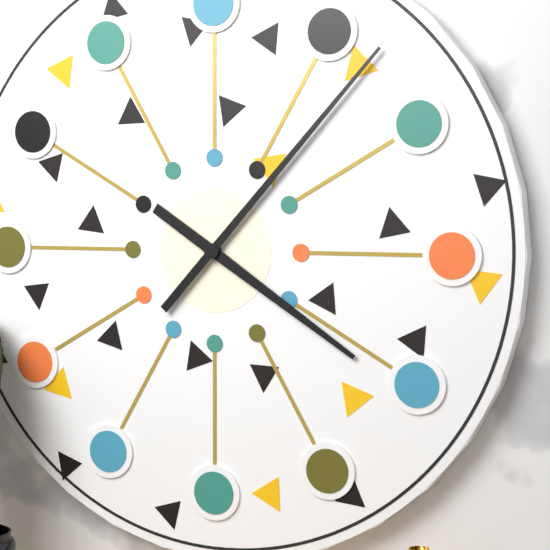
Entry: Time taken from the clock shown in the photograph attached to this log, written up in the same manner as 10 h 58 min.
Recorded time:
4 h 07 min
